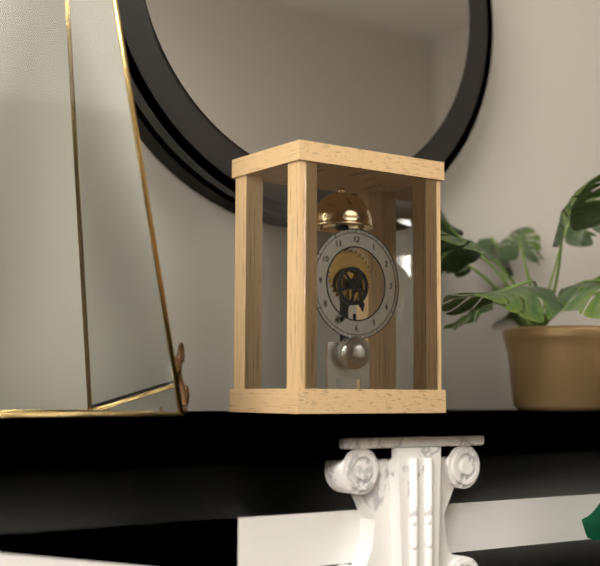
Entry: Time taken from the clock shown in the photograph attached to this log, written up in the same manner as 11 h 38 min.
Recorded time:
5 h 35 min
